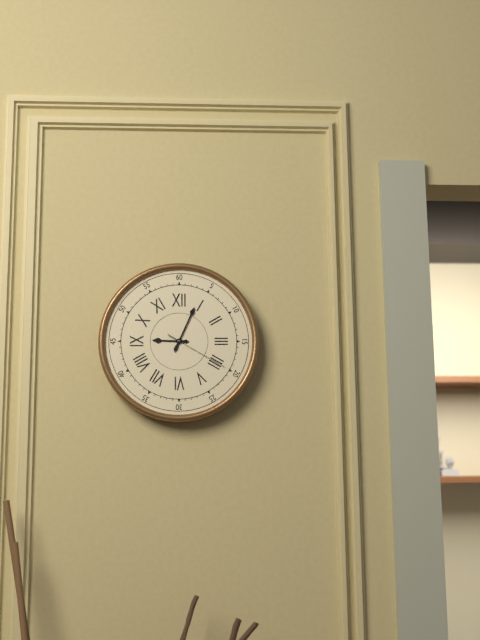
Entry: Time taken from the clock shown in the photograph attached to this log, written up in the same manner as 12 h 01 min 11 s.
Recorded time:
9 h 04 min 20 s
